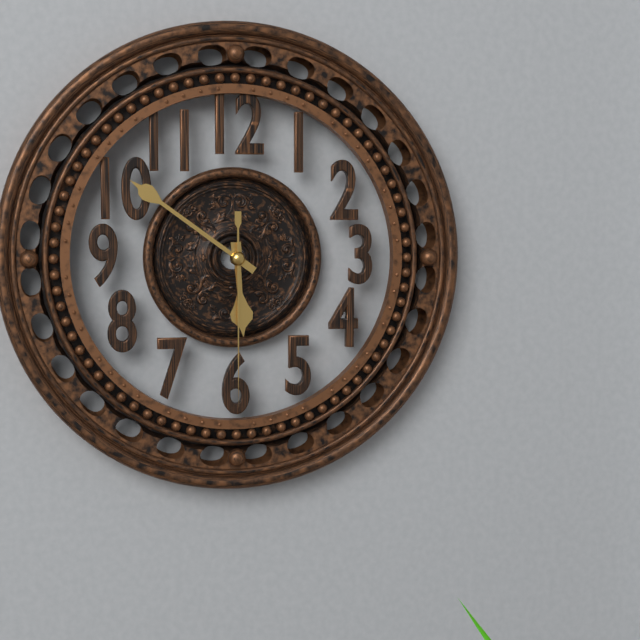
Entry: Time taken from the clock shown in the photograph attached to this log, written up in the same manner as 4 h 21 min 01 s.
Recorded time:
5 h 51 min 30 s
